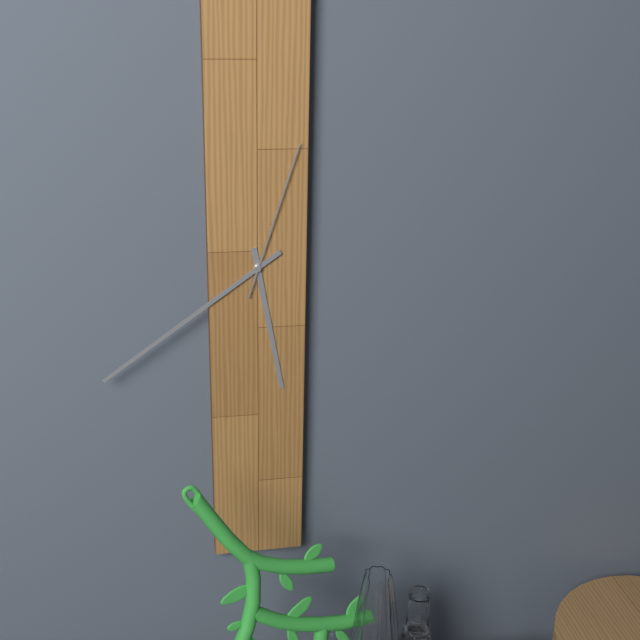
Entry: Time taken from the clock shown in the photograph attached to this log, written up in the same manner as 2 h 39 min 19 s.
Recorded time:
5 h 39 min 03 s
